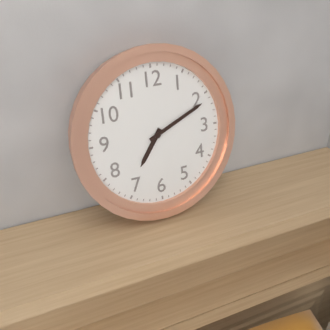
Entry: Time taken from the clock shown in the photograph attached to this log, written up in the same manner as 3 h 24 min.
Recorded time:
7 h 11 min
